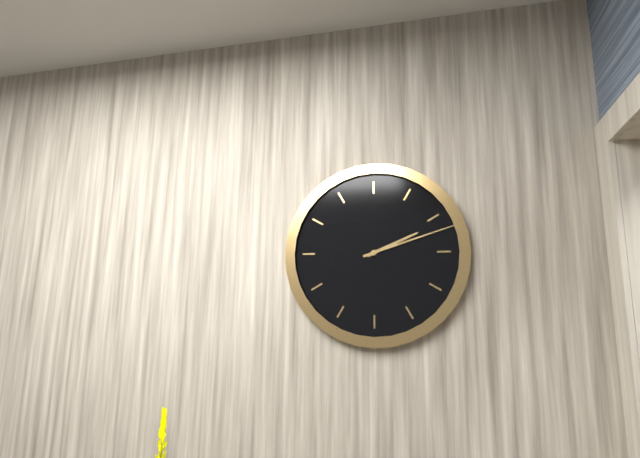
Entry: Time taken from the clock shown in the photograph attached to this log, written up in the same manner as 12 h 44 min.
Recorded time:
2 h 12 min
